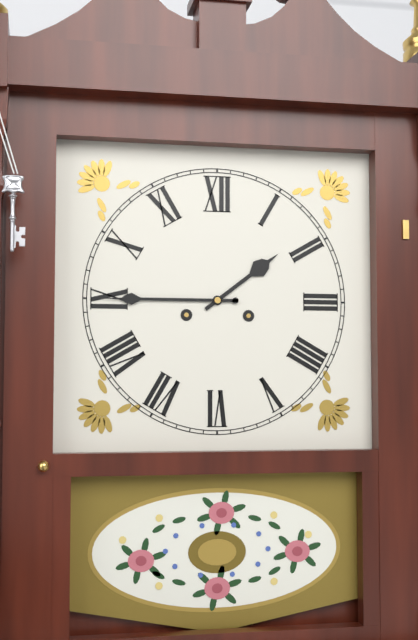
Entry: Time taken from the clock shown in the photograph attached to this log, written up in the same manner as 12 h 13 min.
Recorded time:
1 h 45 min
